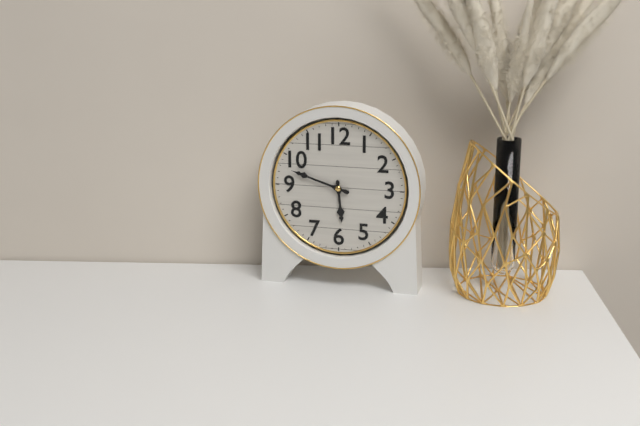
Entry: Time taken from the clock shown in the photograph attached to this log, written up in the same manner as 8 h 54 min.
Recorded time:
5 h 48 min
